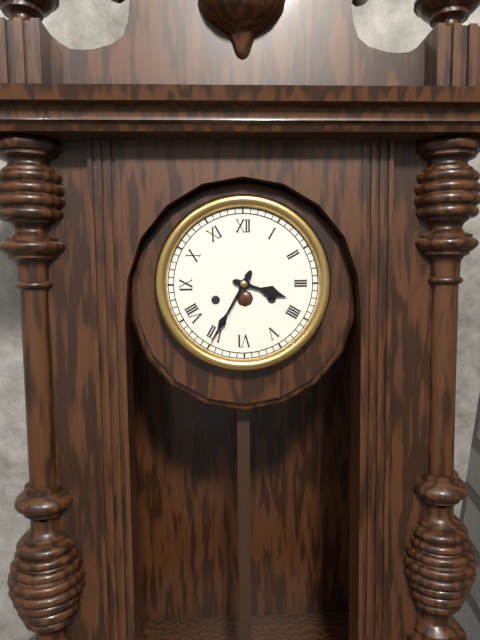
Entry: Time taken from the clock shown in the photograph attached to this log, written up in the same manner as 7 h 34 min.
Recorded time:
3 h 35 min
